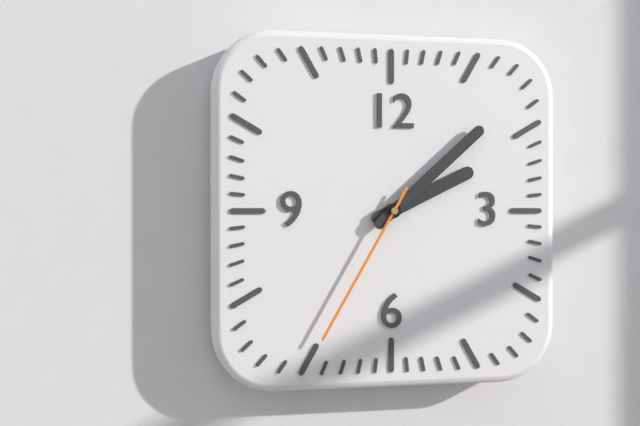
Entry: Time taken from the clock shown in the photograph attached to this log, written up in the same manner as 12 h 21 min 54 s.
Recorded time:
2 h 08 min 35 s
